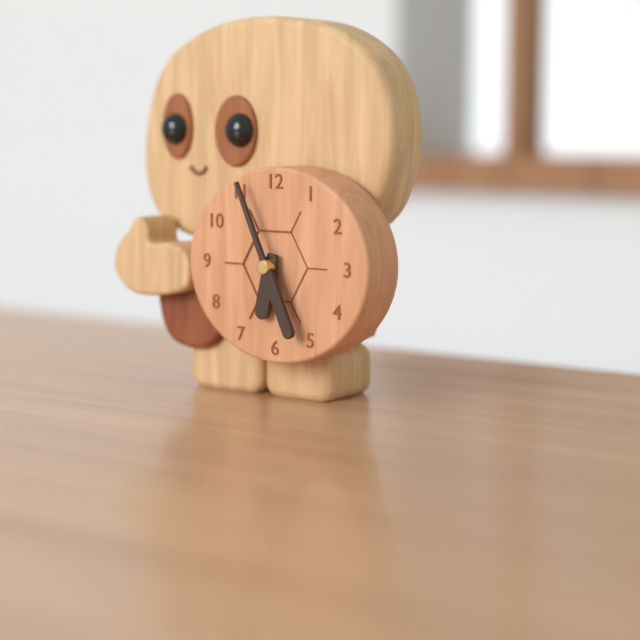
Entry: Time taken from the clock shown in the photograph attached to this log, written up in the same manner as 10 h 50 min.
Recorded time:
6 h 26 min
